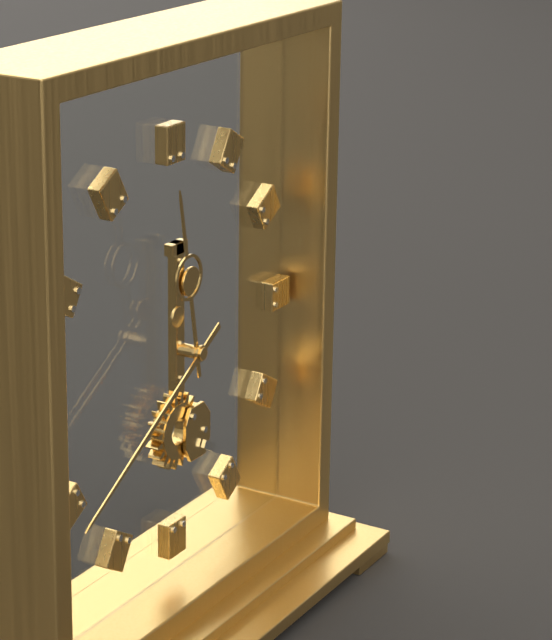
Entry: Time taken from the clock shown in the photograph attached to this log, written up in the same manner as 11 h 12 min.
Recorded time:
11 h 40 min
